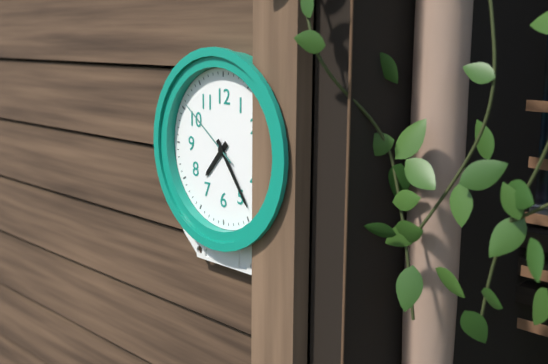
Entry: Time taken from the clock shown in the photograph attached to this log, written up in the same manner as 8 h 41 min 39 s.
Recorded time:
7 h 24 min 51 s
